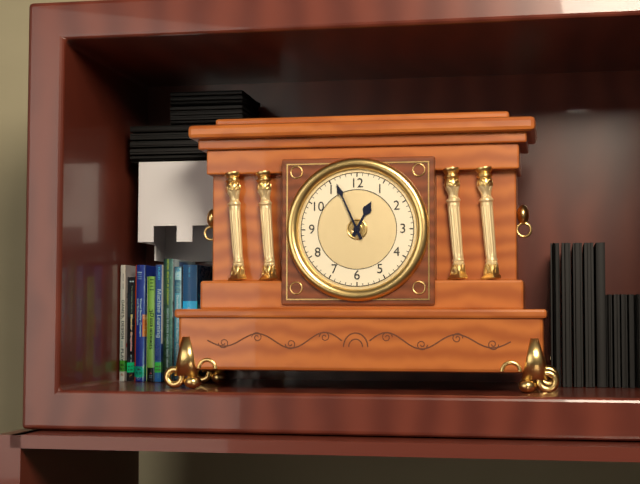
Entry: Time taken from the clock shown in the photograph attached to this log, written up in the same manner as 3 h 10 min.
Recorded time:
12 h 56 min
